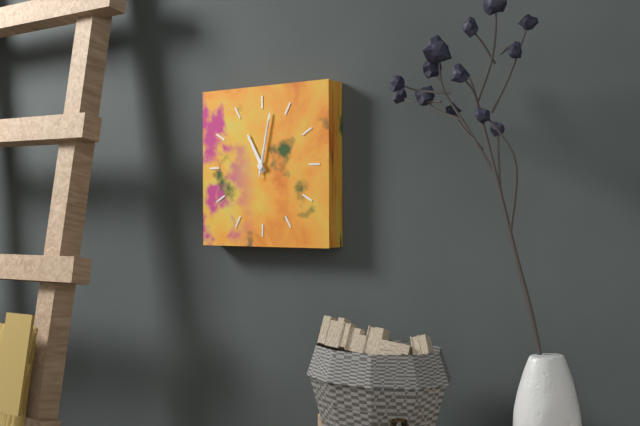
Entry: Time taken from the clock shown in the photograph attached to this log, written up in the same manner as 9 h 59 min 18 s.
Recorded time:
11 h 02 min 02 s
